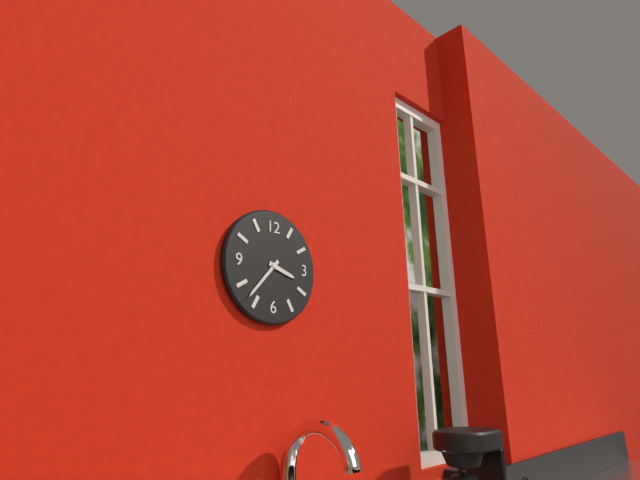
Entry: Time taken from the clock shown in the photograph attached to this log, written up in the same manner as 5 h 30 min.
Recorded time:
3 h 37 min
